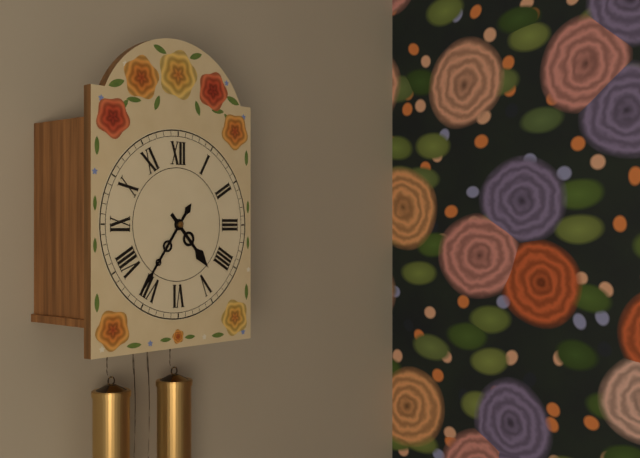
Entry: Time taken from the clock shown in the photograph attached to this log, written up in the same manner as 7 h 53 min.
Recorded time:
4 h 36 min
